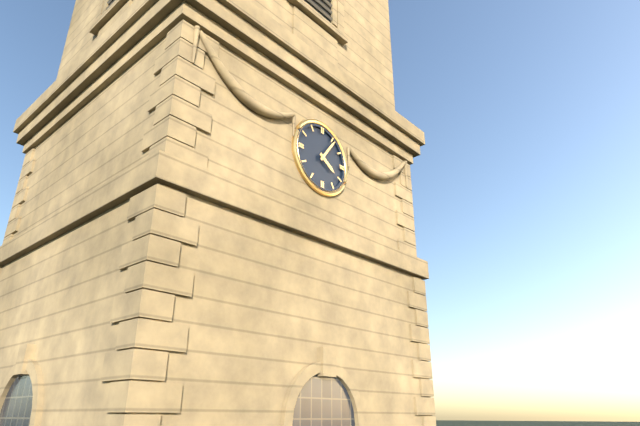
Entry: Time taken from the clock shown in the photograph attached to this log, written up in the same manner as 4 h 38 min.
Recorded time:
4 h 06 min
